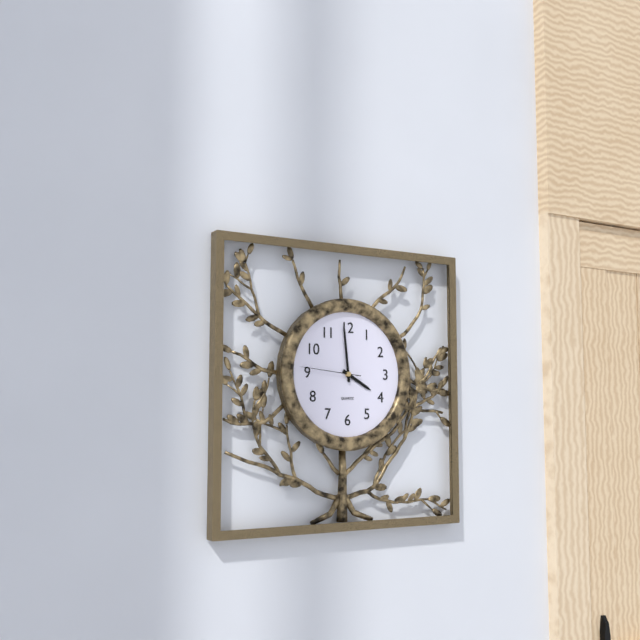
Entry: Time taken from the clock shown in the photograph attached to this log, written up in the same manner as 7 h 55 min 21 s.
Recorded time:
3 h 59 min 46 s
